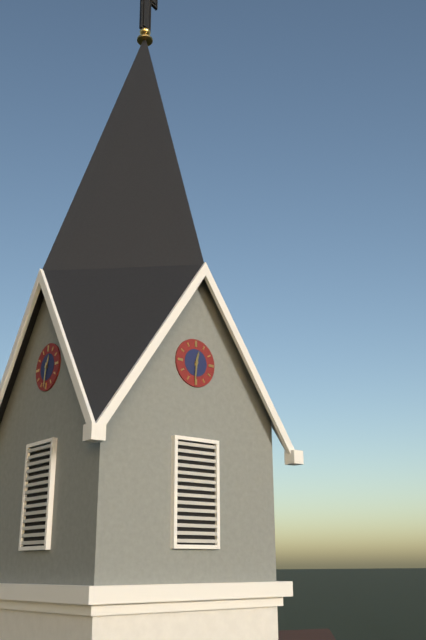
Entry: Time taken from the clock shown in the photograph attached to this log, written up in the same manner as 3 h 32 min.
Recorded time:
12 h 31 min
